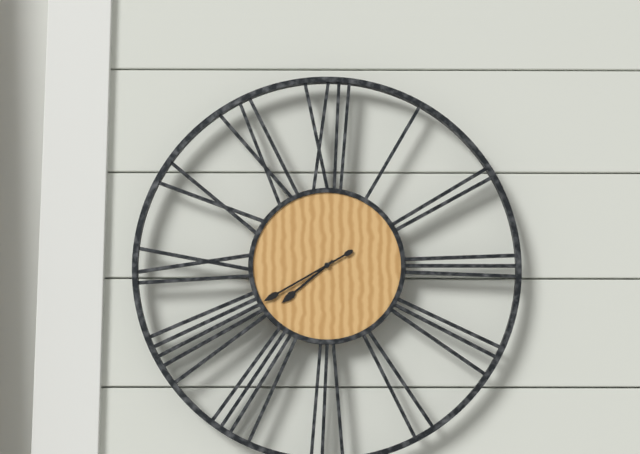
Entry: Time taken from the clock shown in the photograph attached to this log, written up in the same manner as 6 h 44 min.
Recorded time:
7 h 40 min
